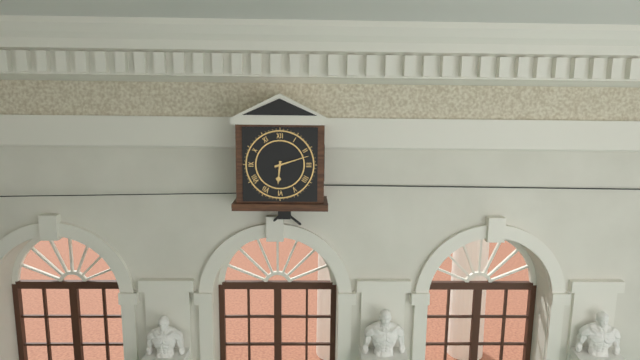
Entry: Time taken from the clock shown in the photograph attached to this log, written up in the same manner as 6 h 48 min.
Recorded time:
6 h 12 min
